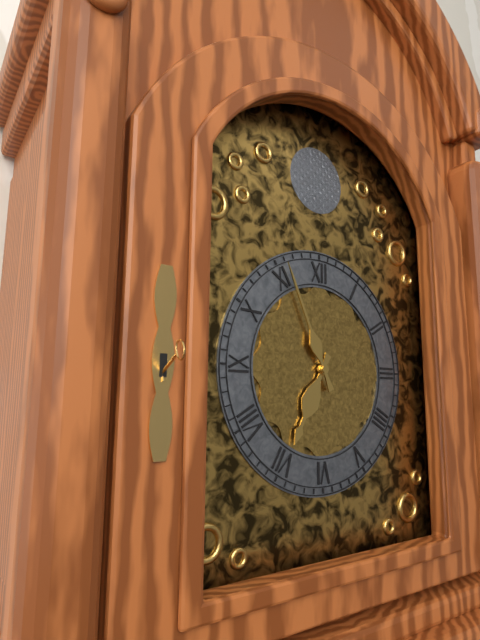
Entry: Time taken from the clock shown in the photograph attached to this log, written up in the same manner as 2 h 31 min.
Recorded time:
6 h 56 min
